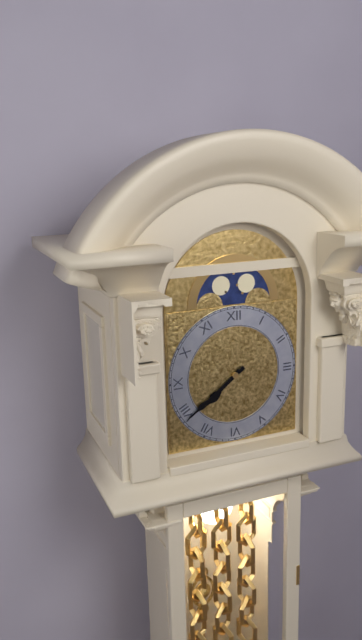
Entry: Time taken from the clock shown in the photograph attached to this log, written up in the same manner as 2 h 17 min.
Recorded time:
7 h 39 min
